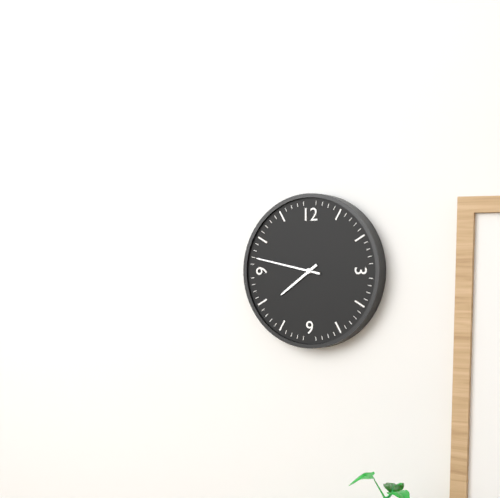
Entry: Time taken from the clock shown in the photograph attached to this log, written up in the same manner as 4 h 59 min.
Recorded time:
7 h 47 min
